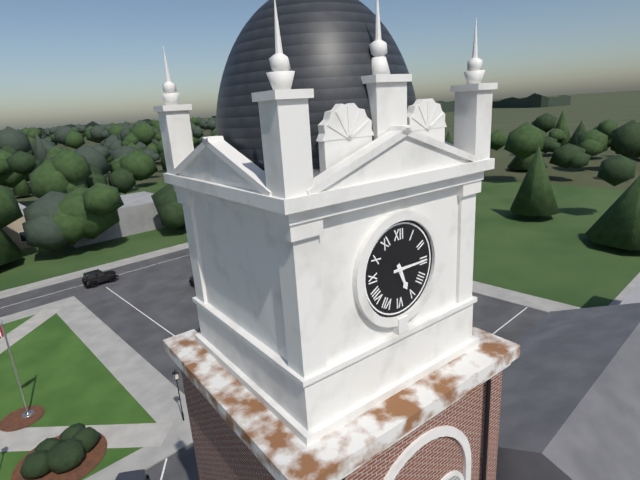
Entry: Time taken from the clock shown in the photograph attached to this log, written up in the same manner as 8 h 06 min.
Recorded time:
5 h 15 min
